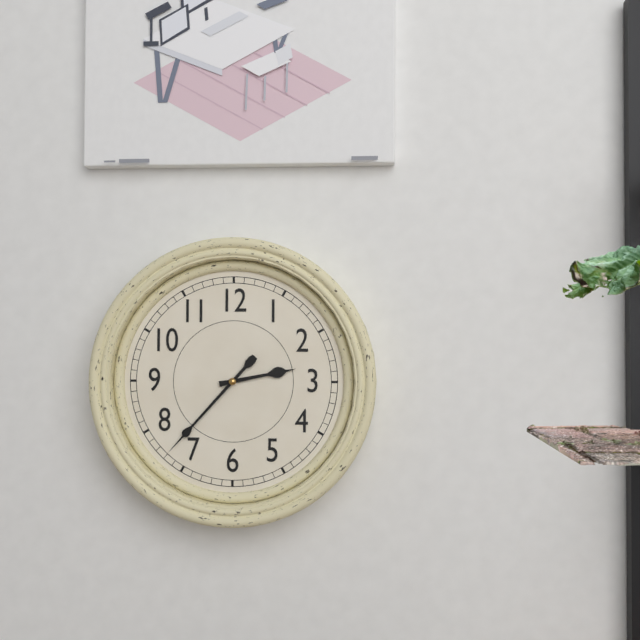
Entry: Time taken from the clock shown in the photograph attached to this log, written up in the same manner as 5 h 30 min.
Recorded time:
2 h 37 min
